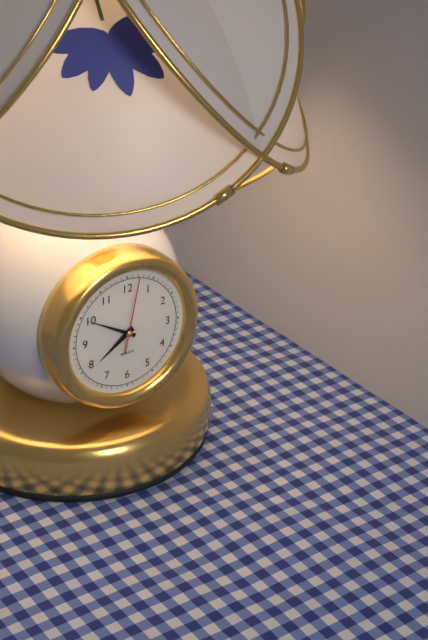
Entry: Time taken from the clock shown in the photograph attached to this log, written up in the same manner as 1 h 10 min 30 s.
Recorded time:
7 h 50 min 02 s
